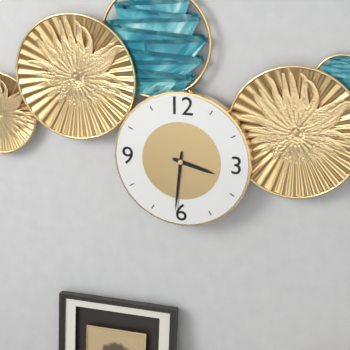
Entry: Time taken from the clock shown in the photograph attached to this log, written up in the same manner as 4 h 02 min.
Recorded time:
3 h 31 min
